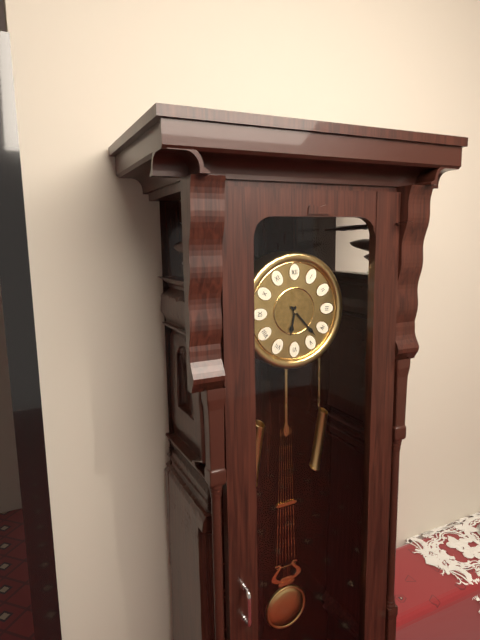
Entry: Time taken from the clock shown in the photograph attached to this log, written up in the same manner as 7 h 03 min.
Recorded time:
6 h 23 min
